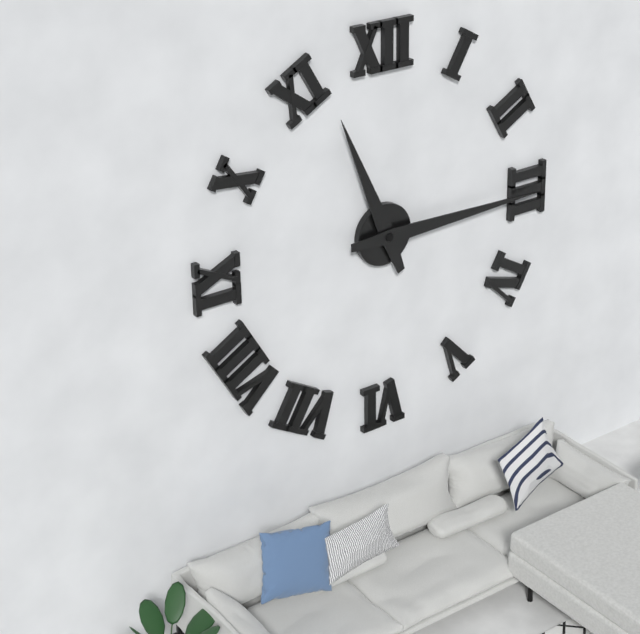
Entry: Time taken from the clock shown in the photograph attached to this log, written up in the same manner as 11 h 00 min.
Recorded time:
11 h 15 min
